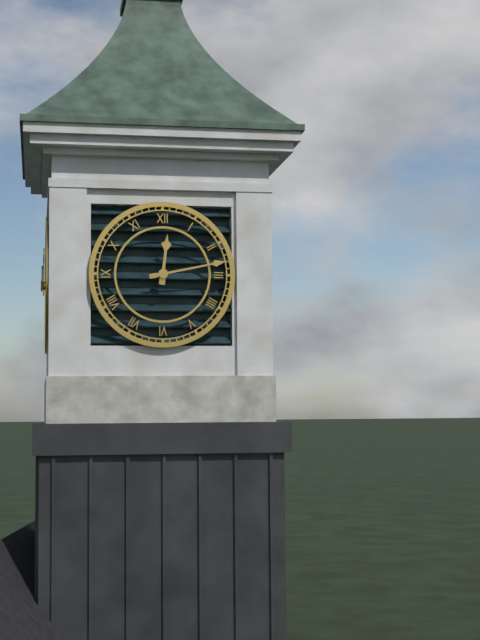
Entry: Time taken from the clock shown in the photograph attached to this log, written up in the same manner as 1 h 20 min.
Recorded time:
12 h 13 min
